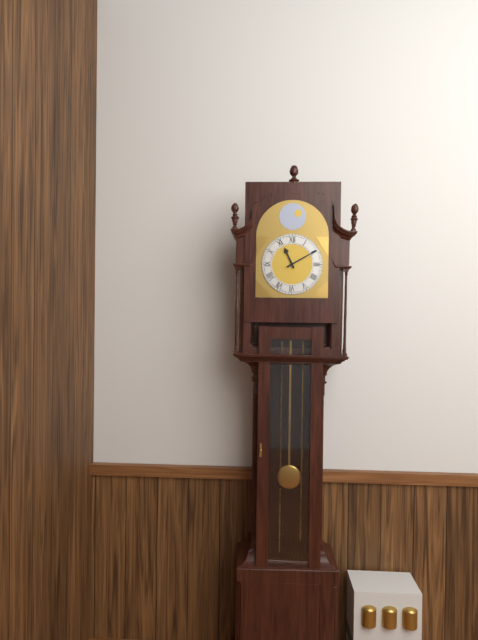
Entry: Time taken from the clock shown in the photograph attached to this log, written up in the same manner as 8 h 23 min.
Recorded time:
11 h 10 min
